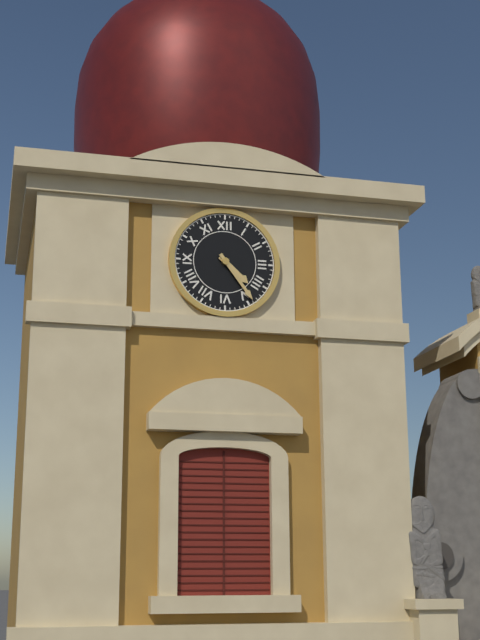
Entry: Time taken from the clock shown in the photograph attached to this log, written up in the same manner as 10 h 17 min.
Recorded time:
4 h 24 min
